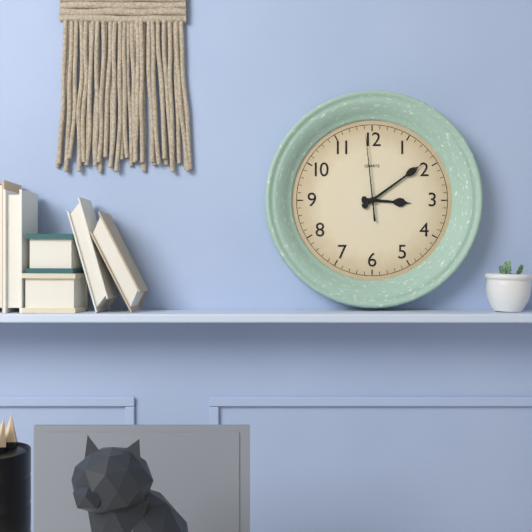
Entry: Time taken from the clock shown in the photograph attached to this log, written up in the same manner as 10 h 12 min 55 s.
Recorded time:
3 h 09 min 59 s
